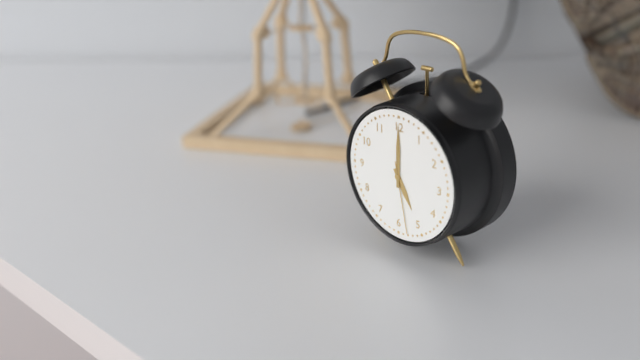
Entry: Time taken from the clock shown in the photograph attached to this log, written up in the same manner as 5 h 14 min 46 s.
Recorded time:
5 h 00 min 28 s
